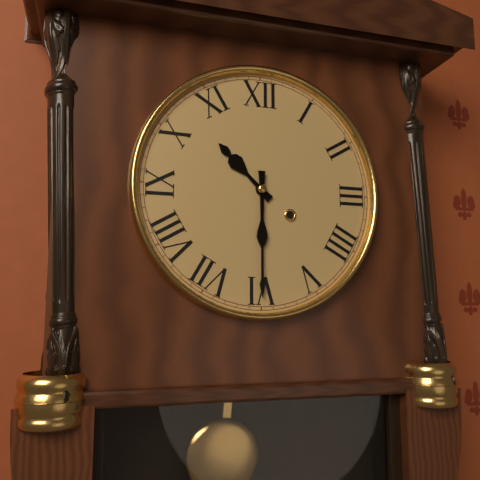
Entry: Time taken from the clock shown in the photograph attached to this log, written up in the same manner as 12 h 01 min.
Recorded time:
10 h 30 min
